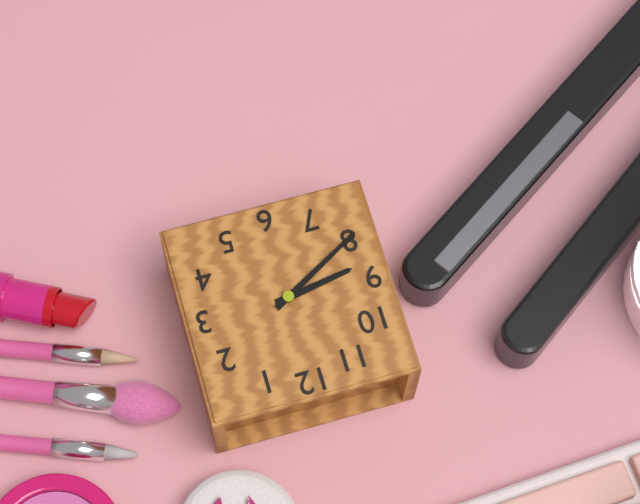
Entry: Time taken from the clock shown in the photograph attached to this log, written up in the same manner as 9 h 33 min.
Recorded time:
8 h 40 min
